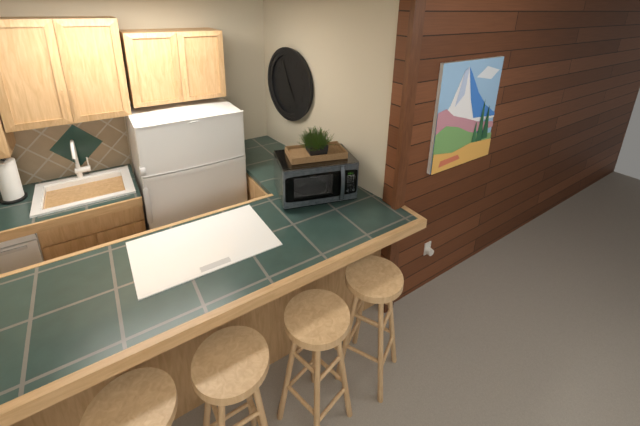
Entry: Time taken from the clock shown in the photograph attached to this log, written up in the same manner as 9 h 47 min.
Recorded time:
4 h 56 min
